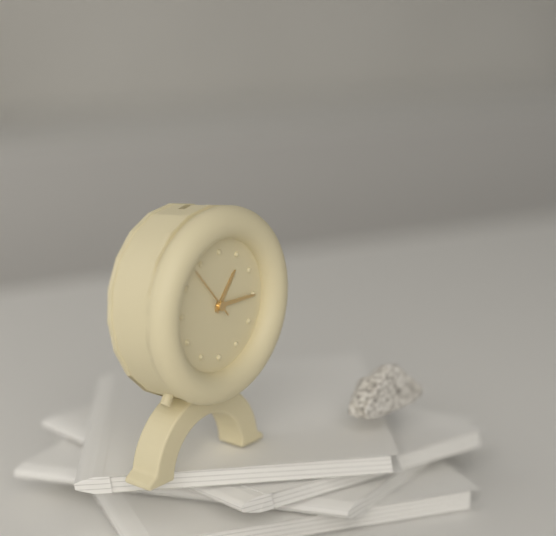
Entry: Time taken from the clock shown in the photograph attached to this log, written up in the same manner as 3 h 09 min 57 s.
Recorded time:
1 h 15 min 53 s
